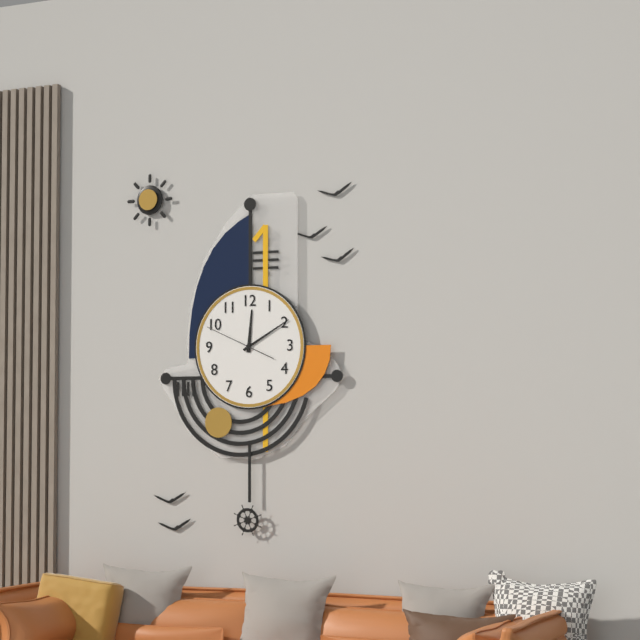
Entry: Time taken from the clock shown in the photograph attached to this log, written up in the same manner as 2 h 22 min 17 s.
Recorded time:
12 h 10 min 49 s
